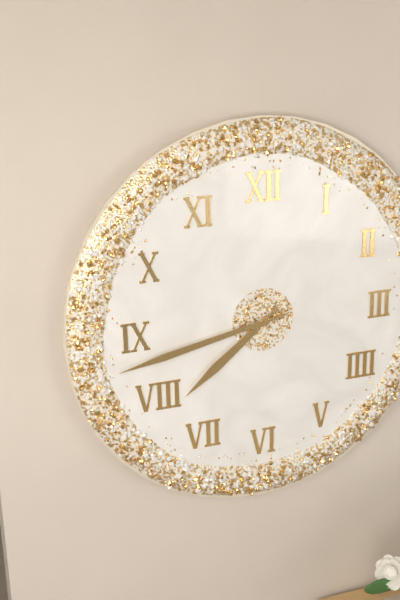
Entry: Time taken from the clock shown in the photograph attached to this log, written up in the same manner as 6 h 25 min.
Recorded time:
7 h 43 min
